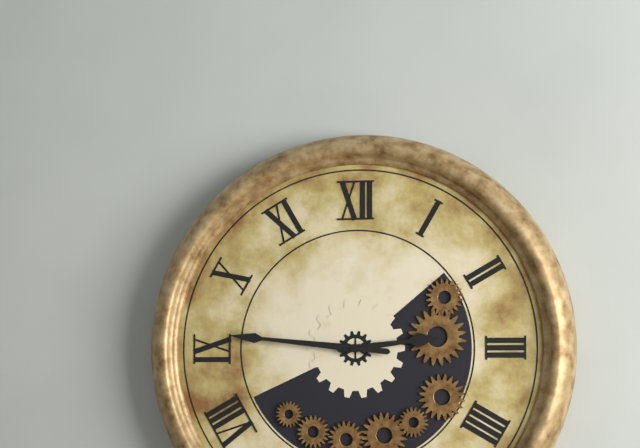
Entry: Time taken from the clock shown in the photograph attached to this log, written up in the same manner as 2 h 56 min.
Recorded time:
2 h 46 min
